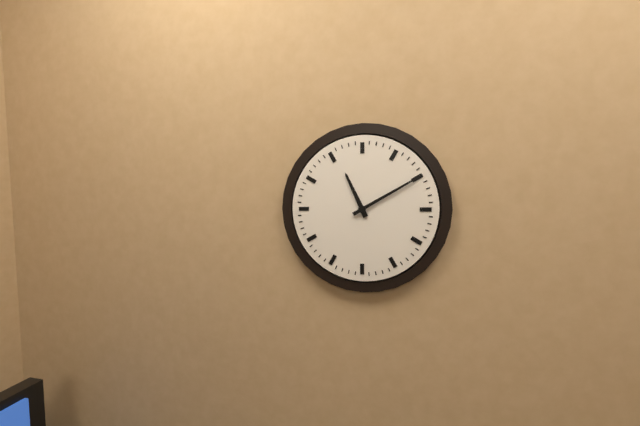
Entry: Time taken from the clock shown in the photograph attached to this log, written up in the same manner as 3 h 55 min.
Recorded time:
11 h 10 min
